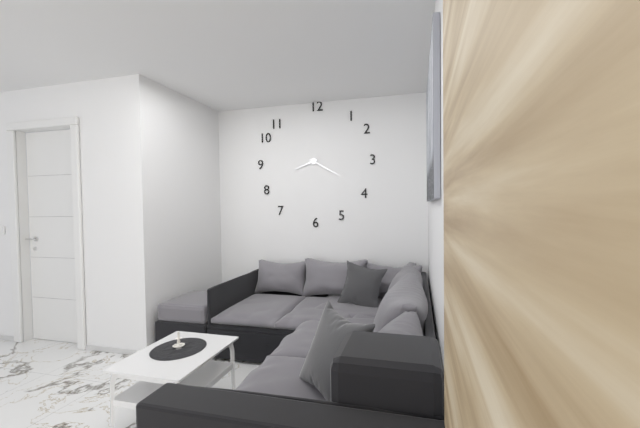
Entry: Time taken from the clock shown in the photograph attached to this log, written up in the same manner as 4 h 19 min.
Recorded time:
8 h 20 min
